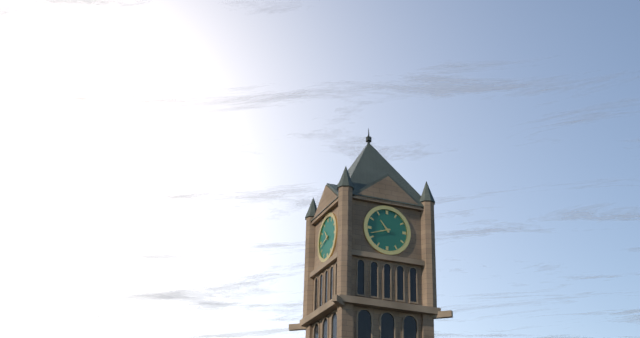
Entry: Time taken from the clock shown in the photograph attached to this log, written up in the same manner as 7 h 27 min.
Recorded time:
10 h 42 min
